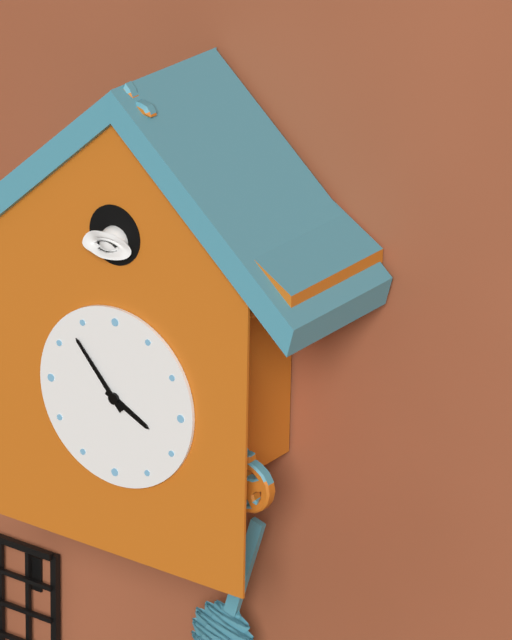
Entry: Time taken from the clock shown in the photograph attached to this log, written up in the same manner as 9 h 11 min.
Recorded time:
3 h 53 min
